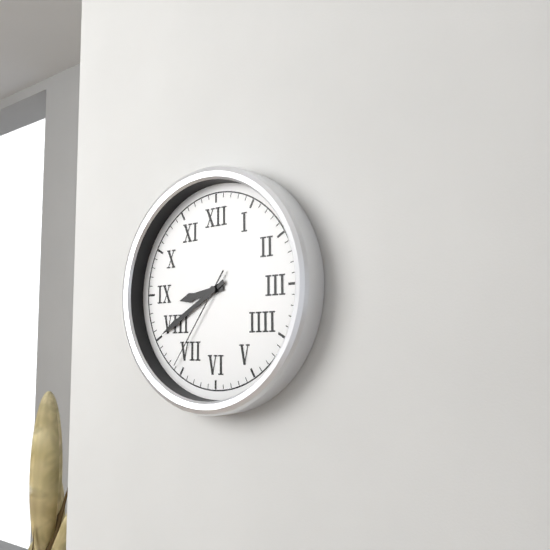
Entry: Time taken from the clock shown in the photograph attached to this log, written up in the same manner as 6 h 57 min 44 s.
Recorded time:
8 h 40 min 36 s
